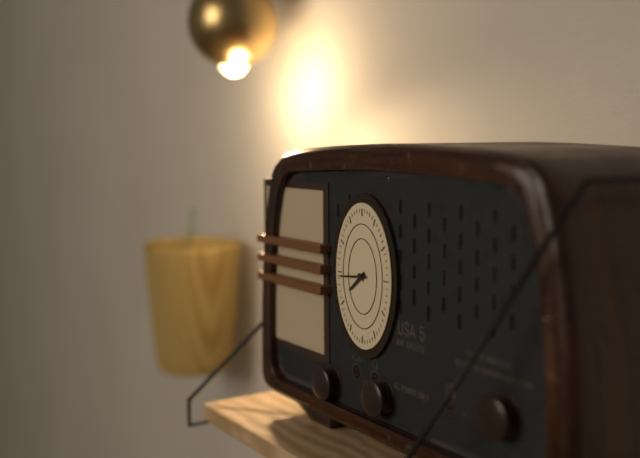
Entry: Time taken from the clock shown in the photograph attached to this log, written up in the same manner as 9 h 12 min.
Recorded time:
7 h 44 min
